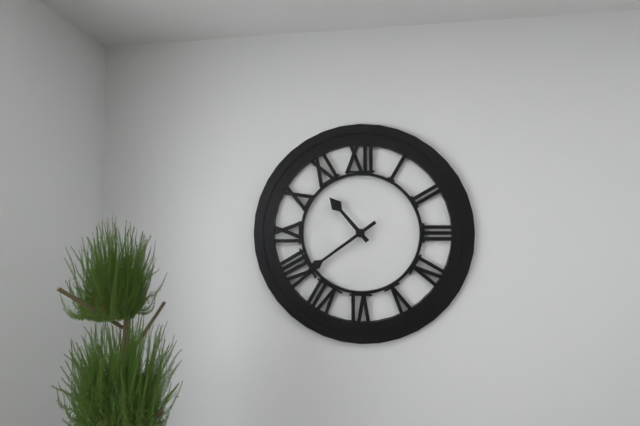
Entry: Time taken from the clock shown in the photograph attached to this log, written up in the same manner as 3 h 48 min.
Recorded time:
10 h 39 min
